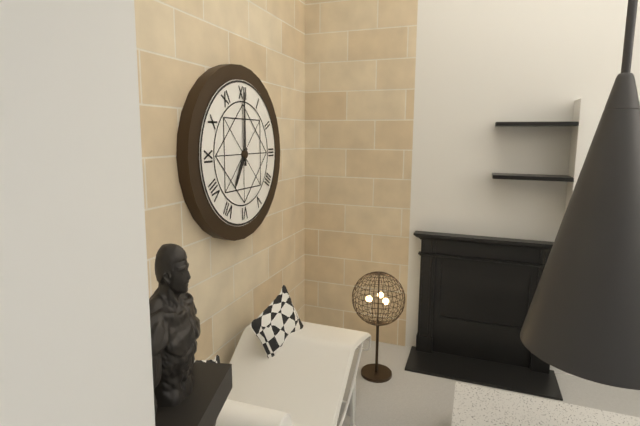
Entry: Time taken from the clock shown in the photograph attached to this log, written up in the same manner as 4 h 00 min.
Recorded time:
7 h 00 min
